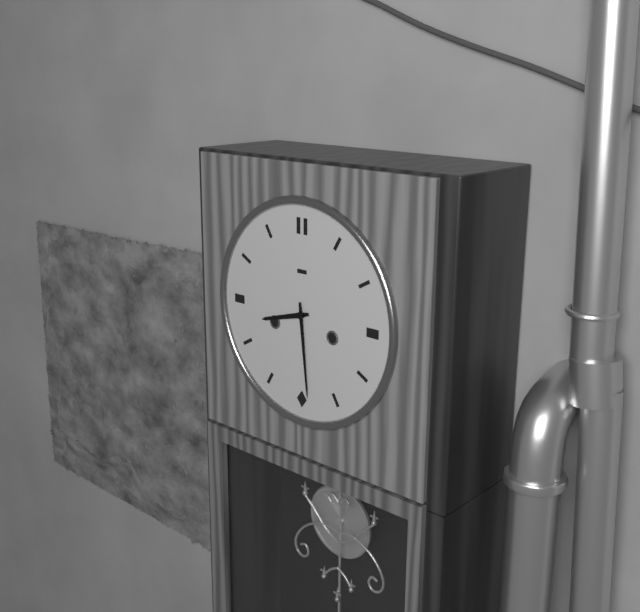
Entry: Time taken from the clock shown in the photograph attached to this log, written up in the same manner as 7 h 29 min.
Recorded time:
8 h 29 min
